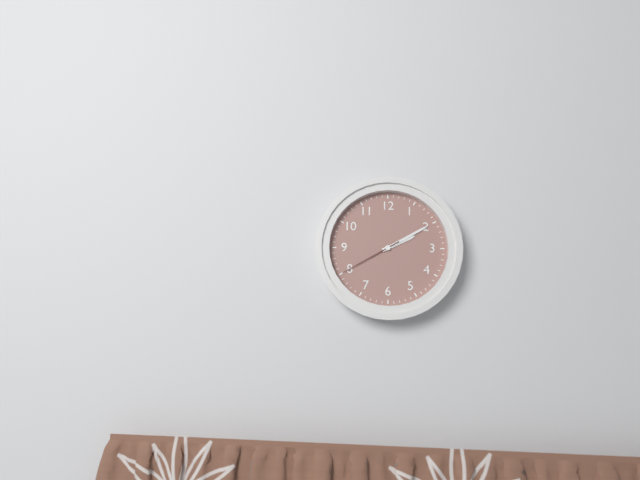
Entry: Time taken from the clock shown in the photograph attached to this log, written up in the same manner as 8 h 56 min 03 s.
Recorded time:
2 h 10 min 40 s
